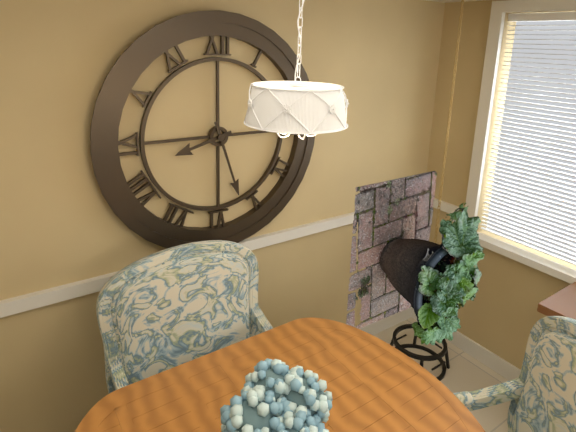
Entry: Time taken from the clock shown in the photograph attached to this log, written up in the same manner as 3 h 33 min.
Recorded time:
8 h 27 min
